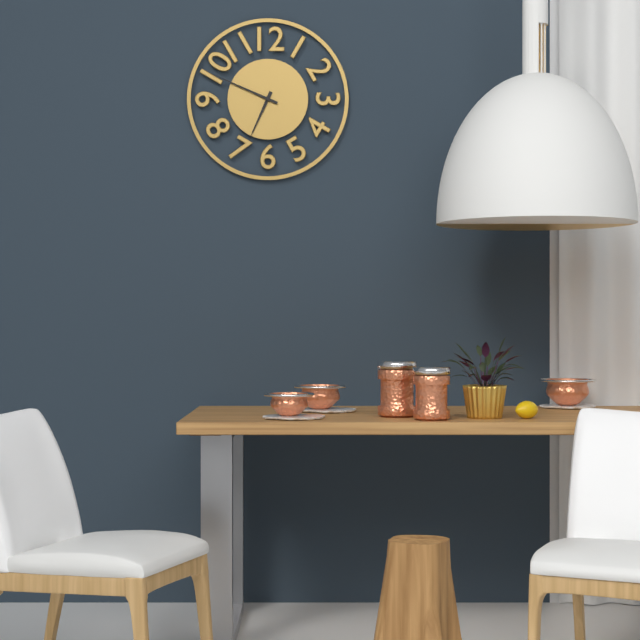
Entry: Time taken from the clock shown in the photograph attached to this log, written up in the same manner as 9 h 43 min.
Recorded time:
6 h 49 min
